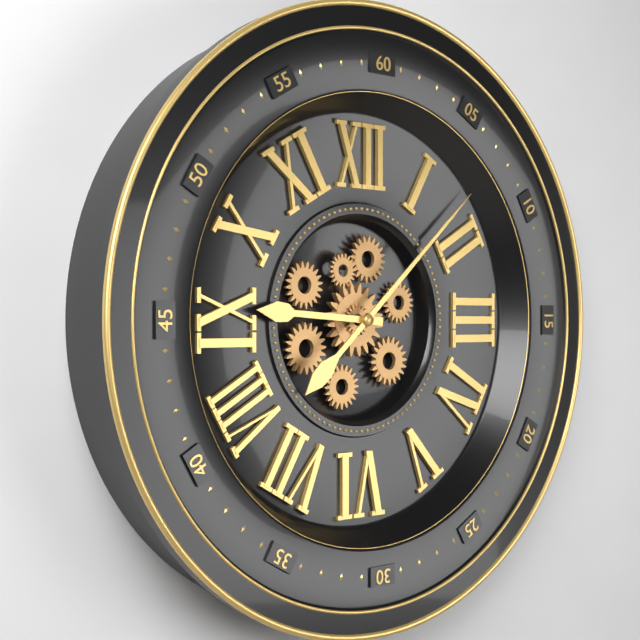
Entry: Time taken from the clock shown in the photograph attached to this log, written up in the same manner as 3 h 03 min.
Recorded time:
9 h 08 min
